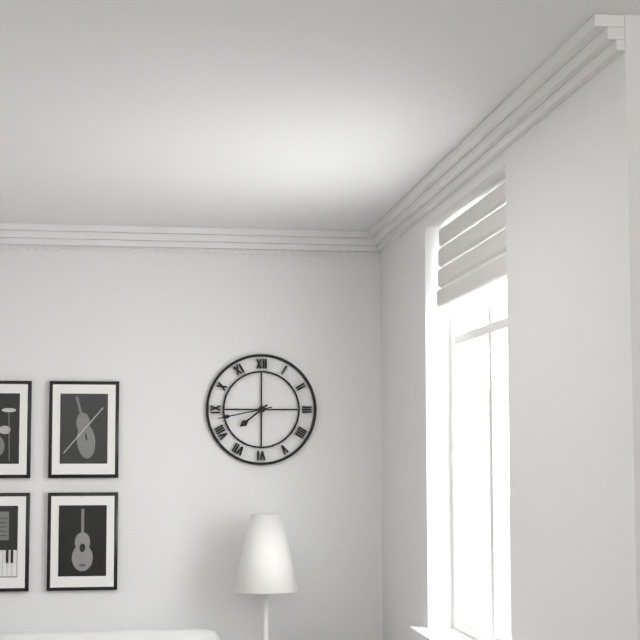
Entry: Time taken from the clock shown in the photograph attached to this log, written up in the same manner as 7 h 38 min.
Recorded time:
7 h 43 min
